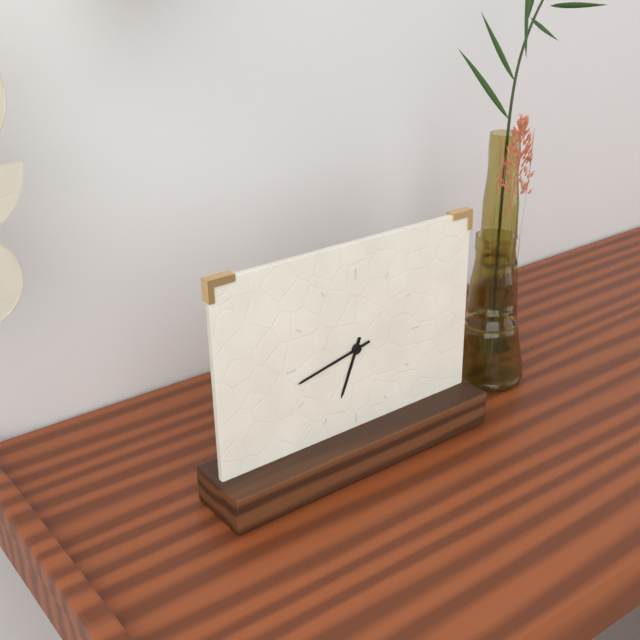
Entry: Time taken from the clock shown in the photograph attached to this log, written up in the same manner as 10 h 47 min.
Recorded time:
6 h 43 min
